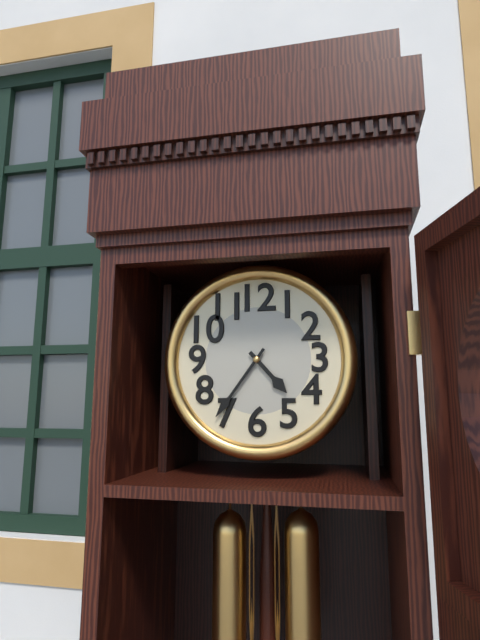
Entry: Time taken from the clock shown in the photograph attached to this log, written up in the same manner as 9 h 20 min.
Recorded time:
4 h 36 min
